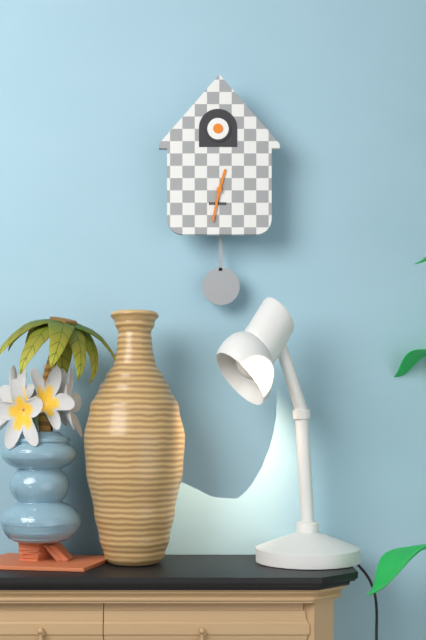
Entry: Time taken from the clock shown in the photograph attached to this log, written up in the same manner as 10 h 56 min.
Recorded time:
12 h 32 min
